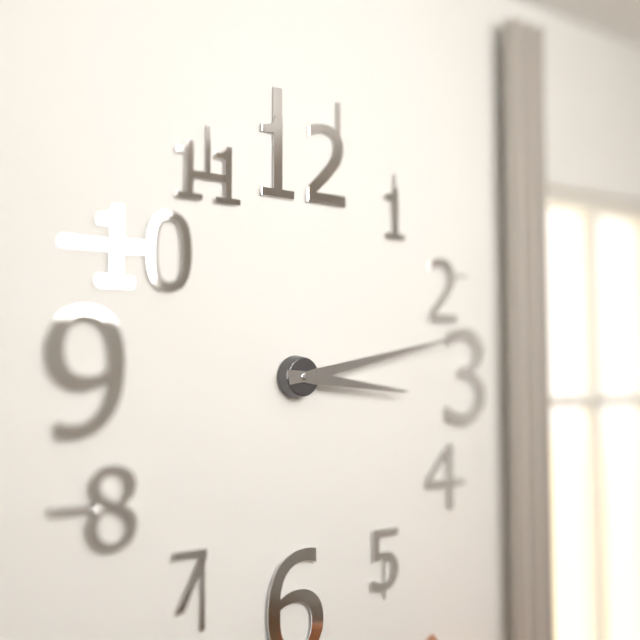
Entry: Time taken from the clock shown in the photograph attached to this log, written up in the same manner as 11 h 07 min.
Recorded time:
3 h 13 min
